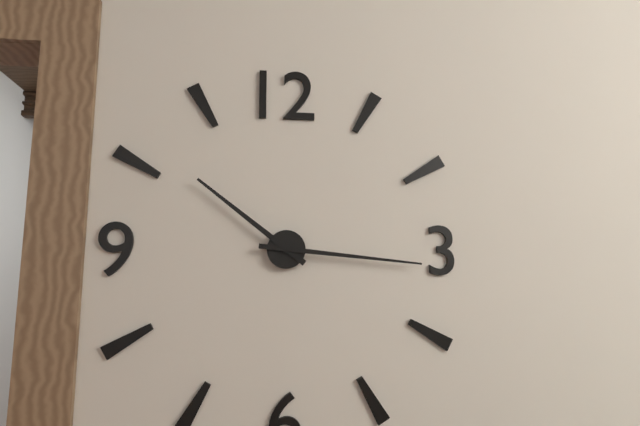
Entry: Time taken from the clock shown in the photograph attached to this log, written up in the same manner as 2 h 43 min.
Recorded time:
10 h 16 min
